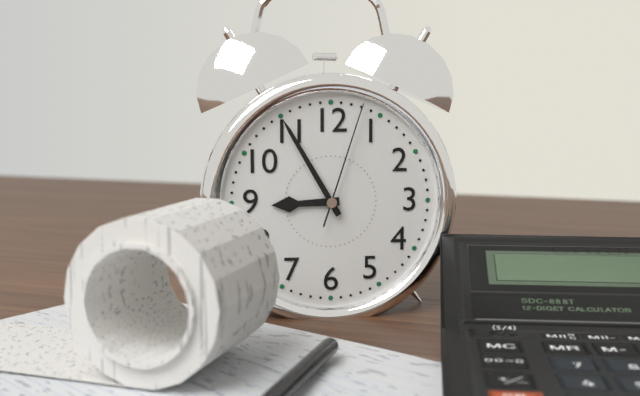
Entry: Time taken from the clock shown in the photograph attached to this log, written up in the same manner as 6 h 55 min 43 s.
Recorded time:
8 h 55 min 03 s
